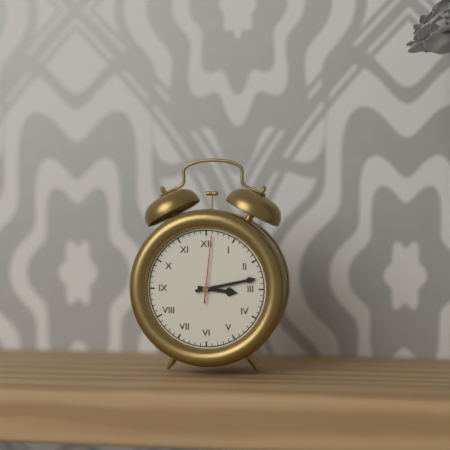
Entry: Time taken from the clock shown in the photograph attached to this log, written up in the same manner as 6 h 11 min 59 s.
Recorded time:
3 h 13 min 01 s
